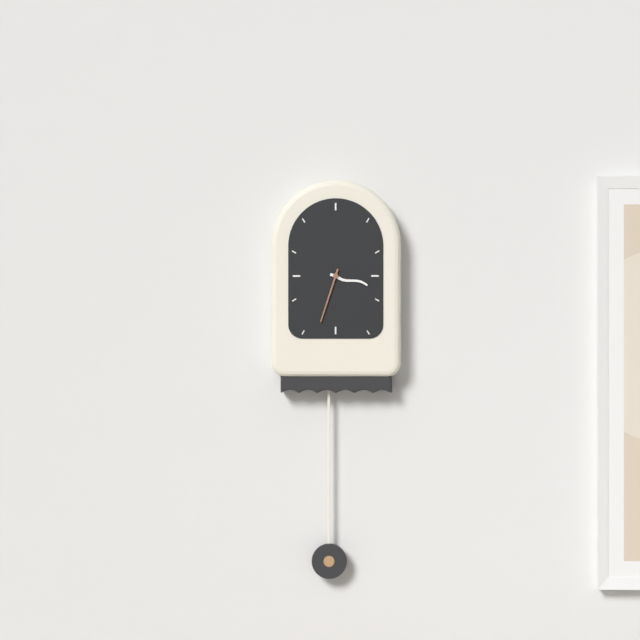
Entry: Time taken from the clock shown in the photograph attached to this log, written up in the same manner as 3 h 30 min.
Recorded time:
3 h 33 min
